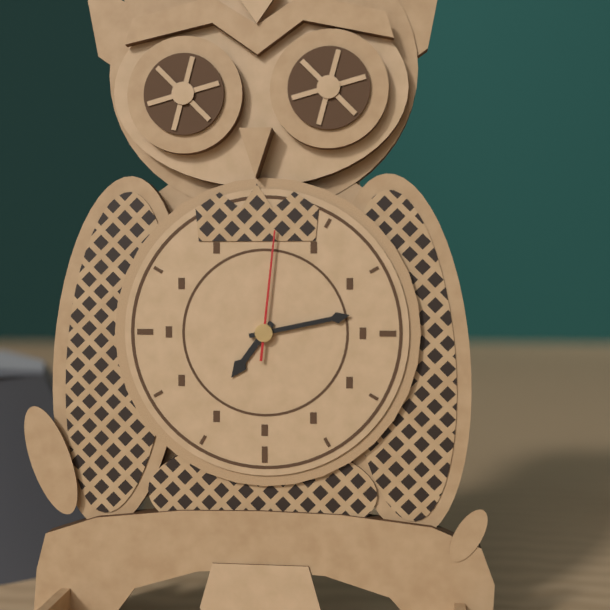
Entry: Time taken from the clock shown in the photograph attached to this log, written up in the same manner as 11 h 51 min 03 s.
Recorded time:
7 h 13 min 01 s
